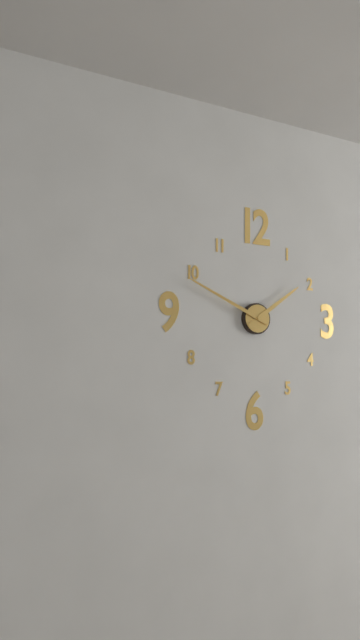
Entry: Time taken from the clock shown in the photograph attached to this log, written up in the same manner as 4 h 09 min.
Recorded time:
1 h 49 min
